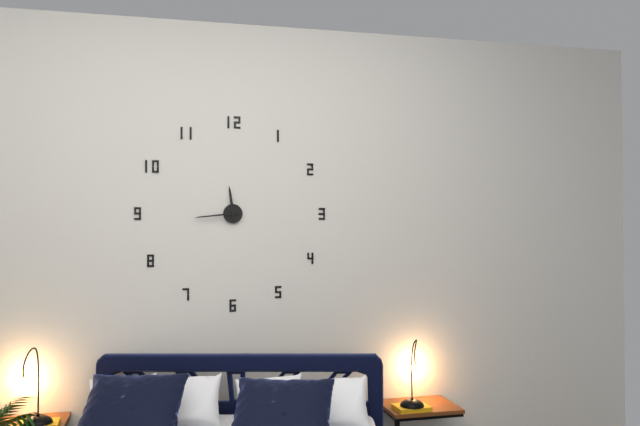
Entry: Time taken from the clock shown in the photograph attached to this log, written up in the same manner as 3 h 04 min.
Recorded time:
11 h 44 min
